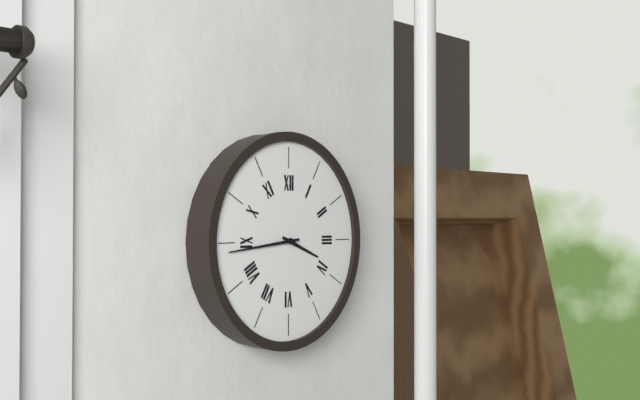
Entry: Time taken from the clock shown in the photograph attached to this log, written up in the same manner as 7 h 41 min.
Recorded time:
3 h 44 min
